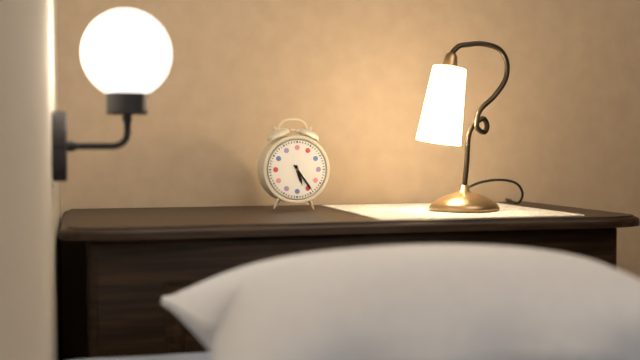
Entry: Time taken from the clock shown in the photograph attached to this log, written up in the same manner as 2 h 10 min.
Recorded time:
5 h 24 min
